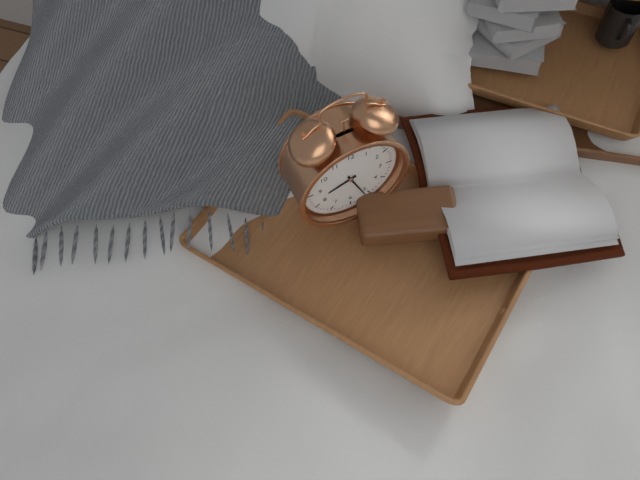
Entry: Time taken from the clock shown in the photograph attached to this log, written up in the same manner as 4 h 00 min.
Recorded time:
8 h 26 min
